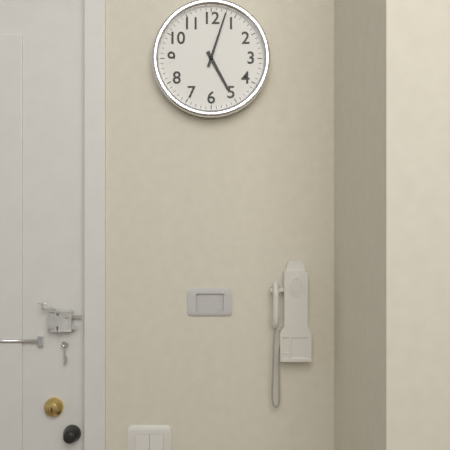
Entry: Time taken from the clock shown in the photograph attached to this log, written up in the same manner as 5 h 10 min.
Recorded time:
5 h 03 min
